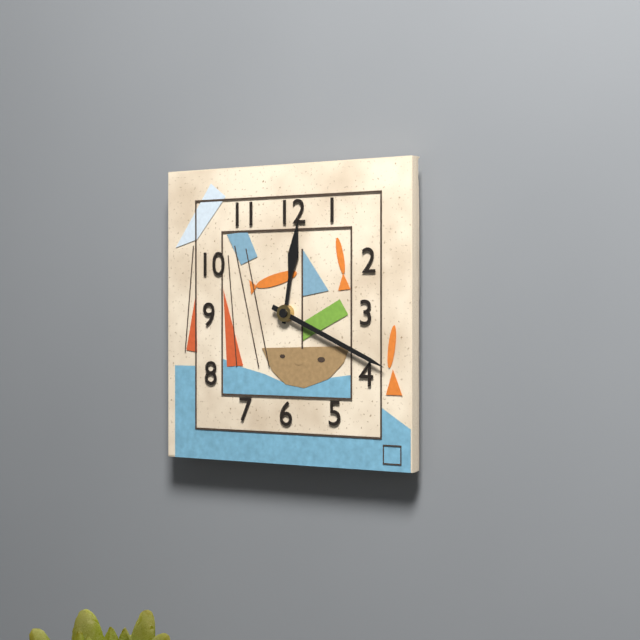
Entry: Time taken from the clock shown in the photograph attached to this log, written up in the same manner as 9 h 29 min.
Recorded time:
12 h 19 min
